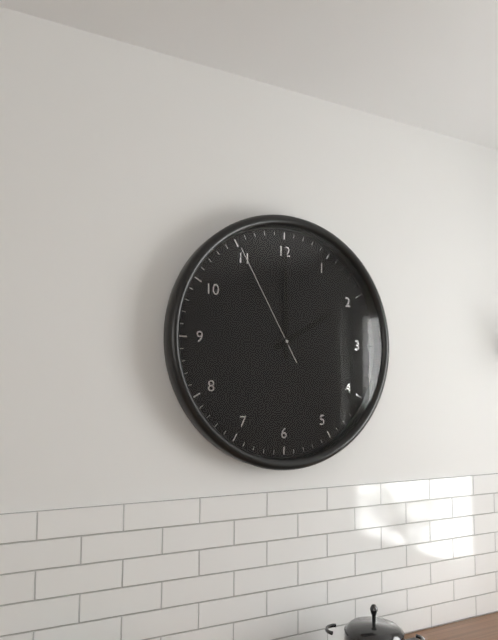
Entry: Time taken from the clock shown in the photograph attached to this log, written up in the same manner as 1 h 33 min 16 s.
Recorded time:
2 h 00 min 55 s
